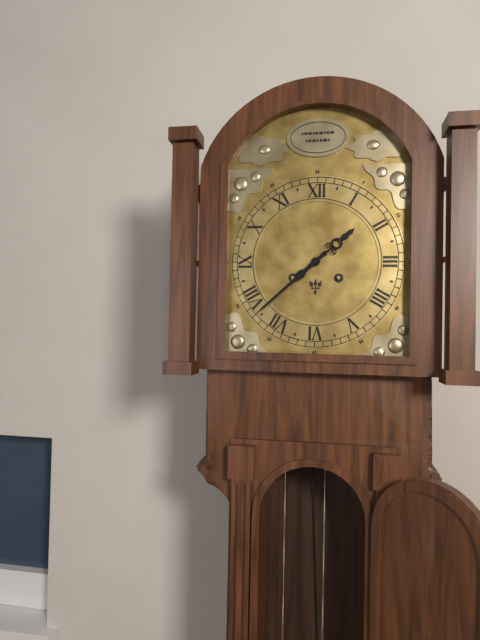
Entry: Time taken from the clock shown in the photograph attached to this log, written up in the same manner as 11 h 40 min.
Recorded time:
1 h 38 min
